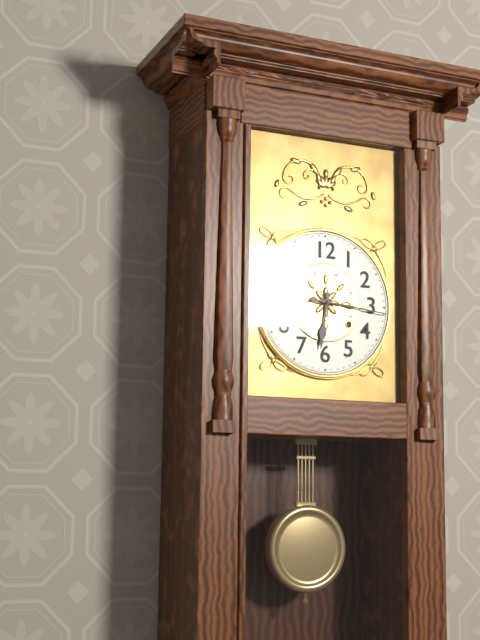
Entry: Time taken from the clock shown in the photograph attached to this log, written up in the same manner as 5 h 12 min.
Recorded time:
6 h 16 min
